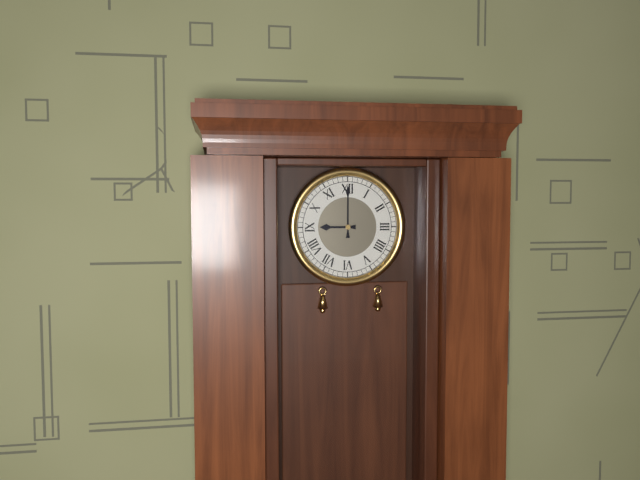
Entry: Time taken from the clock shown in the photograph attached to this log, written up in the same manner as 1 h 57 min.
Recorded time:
9 h 00 min
